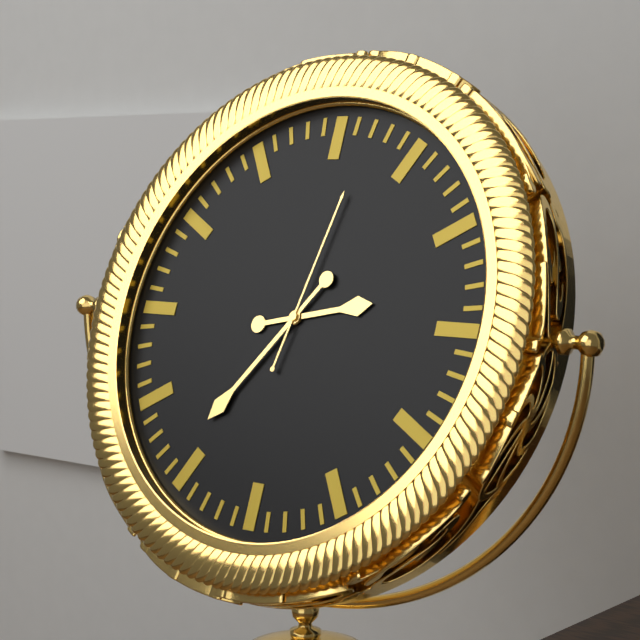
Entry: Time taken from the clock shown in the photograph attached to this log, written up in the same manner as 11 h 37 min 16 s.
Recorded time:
2 h 36 min 02 s
